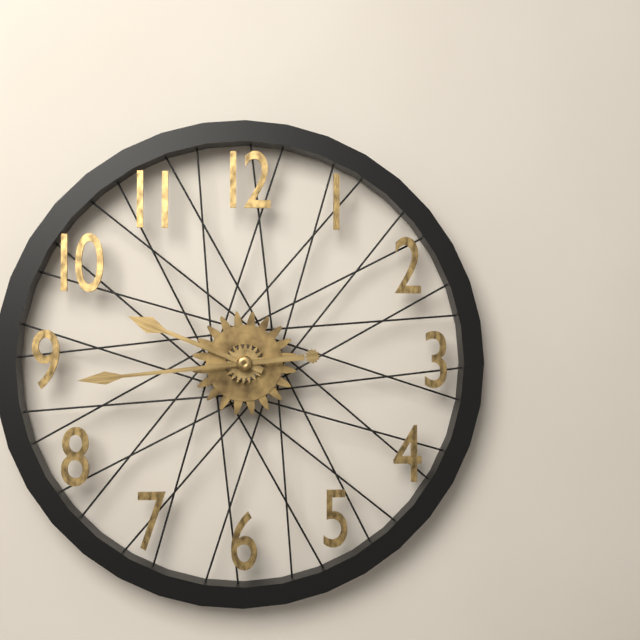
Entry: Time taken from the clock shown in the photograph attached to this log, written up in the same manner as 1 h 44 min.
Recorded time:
9 h 44 min
